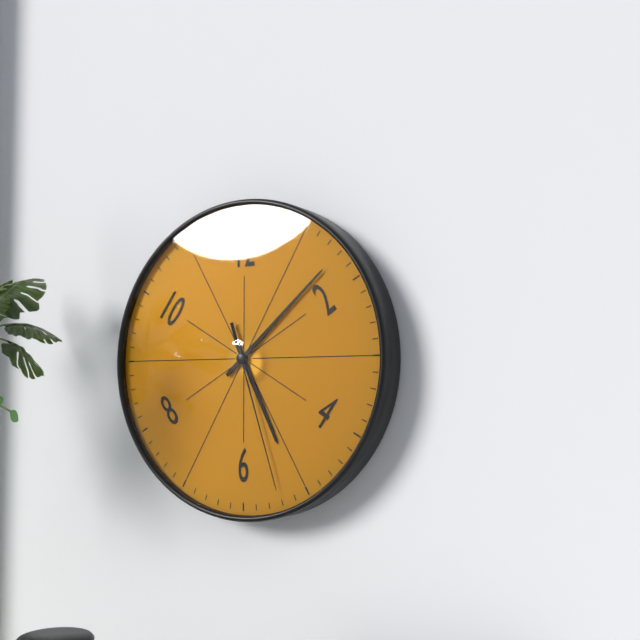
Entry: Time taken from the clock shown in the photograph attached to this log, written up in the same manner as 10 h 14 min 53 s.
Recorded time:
5 h 08 min 27 s
